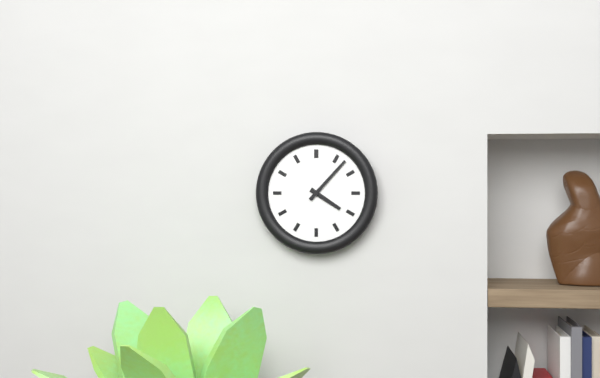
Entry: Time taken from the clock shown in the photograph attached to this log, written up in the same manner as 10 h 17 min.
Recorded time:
4 h 07 min
